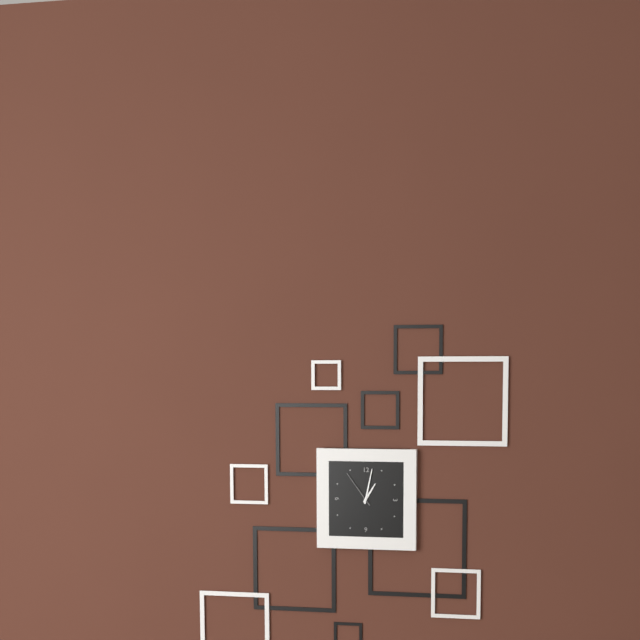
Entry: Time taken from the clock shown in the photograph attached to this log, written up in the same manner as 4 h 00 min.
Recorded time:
1 h 02 min
